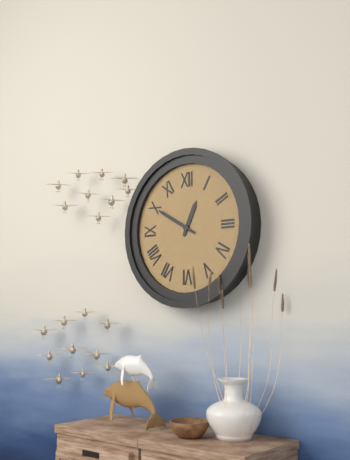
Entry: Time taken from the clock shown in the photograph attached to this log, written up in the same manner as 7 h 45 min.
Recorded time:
12 h 50 min
